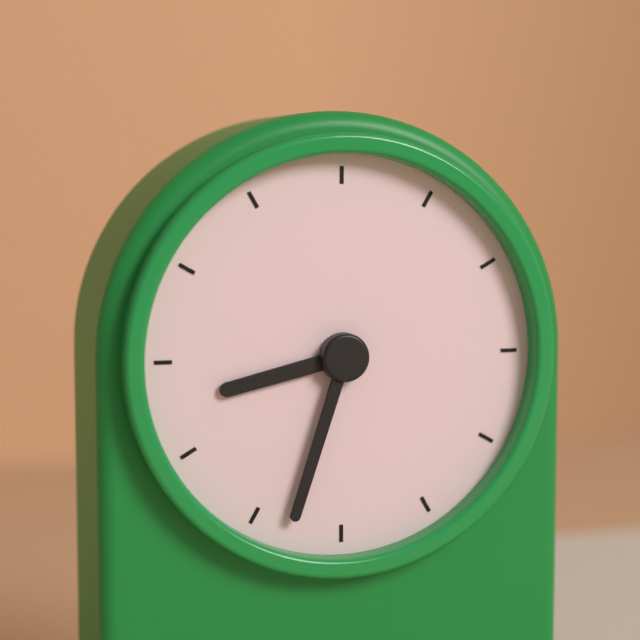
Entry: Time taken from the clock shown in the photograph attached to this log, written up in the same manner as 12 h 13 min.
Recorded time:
8 h 33 min
